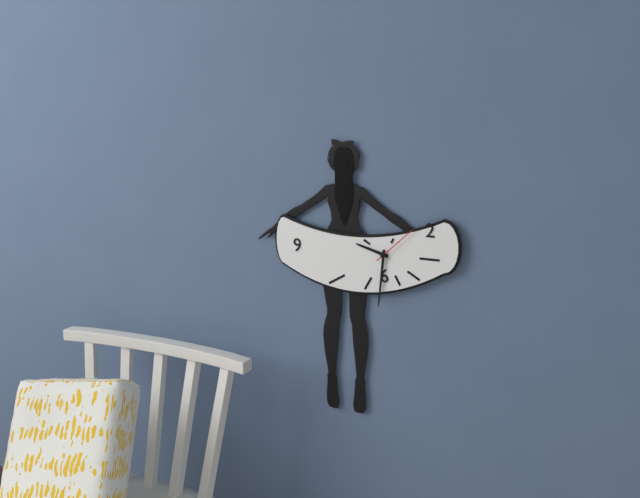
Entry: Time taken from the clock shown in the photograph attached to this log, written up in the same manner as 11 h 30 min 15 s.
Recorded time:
9 h 31 min 08 s
